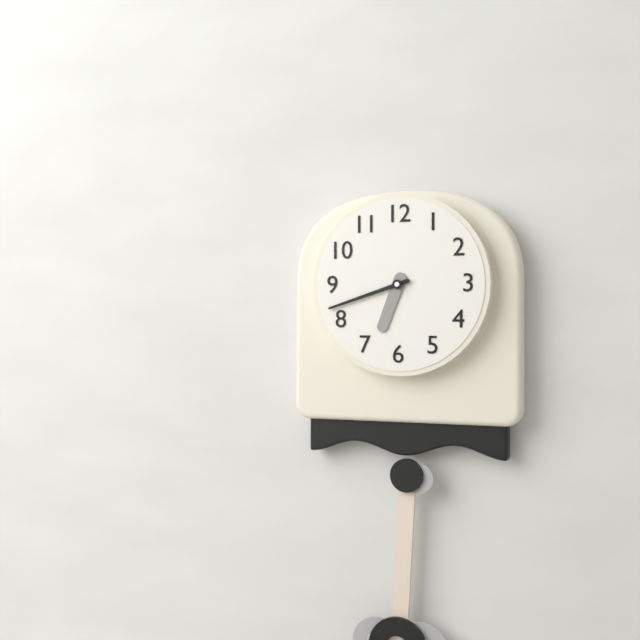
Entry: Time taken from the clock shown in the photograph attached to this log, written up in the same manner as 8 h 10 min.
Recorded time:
6 h 42 min
